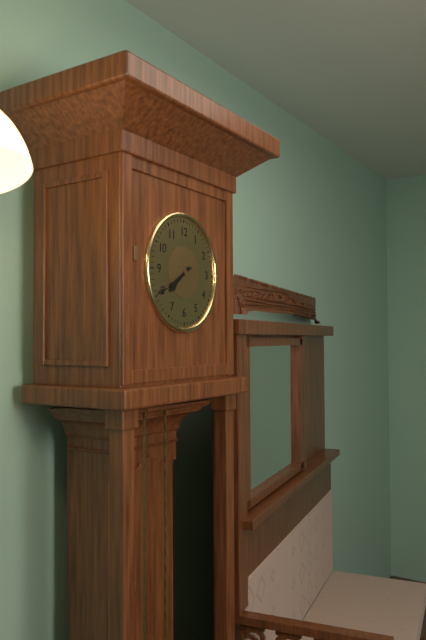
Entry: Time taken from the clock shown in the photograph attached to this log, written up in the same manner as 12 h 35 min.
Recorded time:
7 h 40 min
